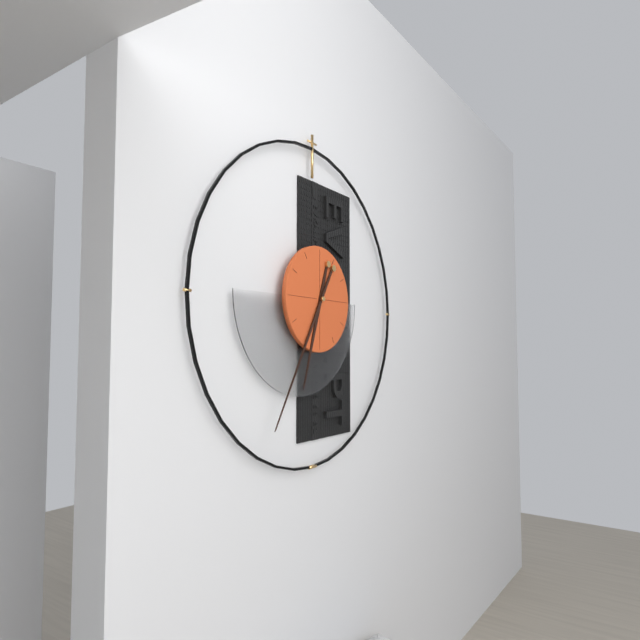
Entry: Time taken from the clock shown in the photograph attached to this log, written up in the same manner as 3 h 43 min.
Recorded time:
6 h 35 min
